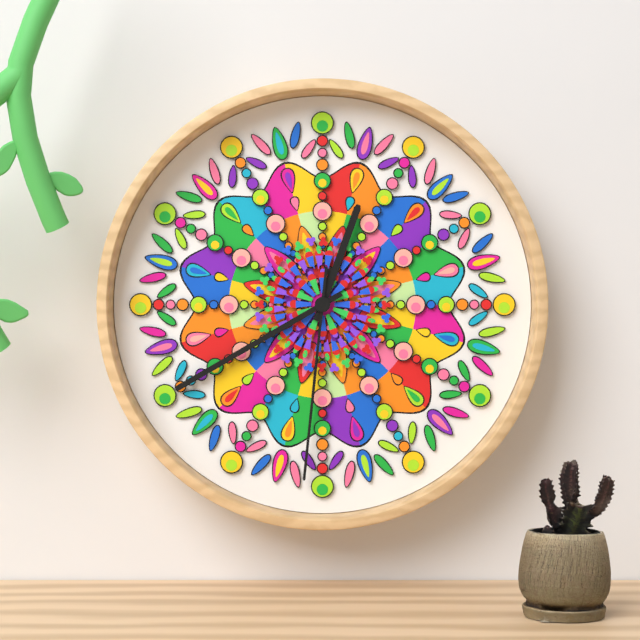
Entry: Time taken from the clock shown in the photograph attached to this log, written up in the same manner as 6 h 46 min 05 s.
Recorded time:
12 h 40 min 31 s
